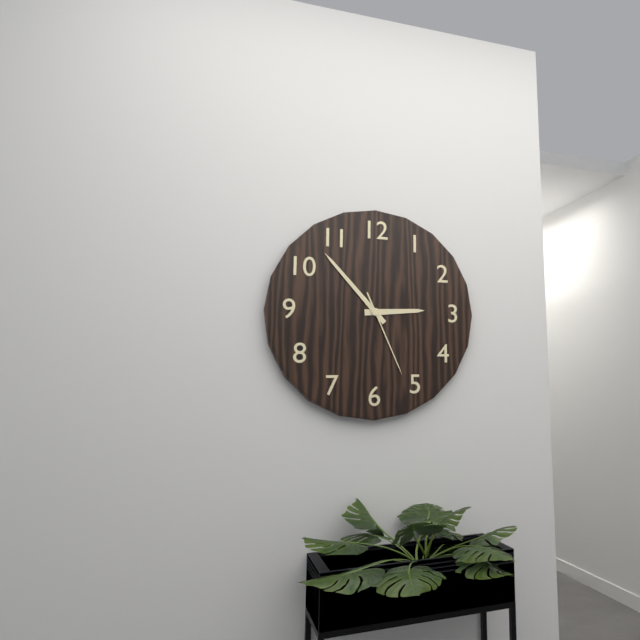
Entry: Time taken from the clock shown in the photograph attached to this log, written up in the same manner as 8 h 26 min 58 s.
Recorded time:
2 h 53 min 26 s
